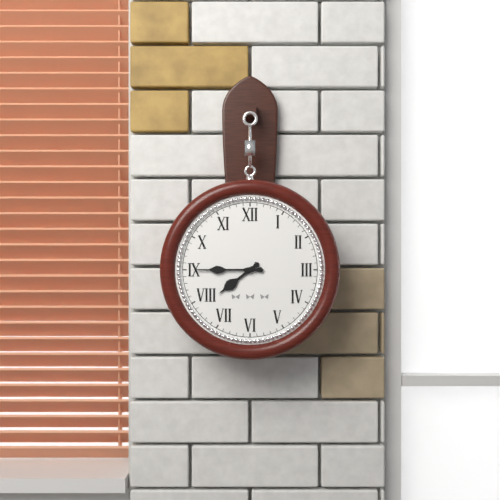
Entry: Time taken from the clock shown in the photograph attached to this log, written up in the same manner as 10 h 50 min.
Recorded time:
7 h 45 min
